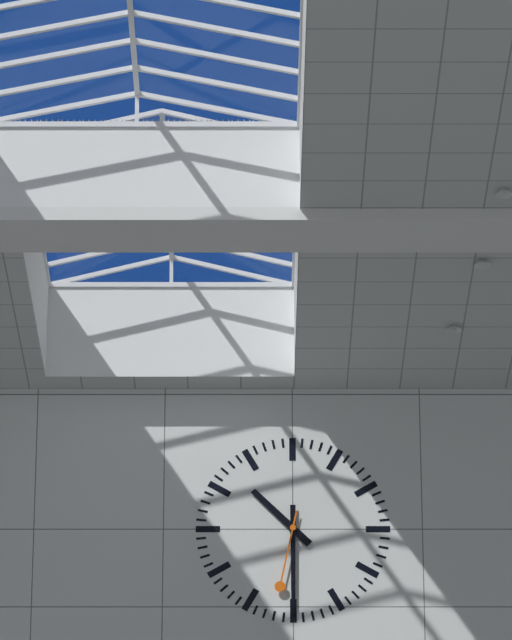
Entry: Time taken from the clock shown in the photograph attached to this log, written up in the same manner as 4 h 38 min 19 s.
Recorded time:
10 h 30 min 32 s
